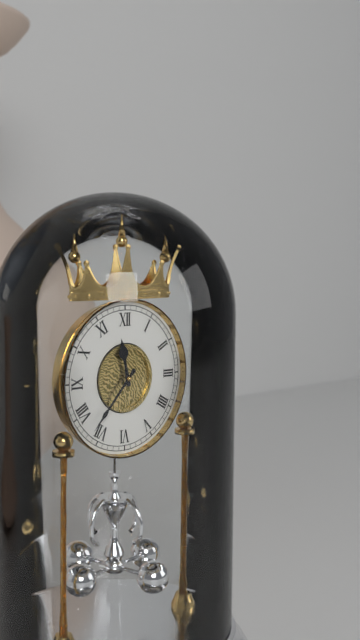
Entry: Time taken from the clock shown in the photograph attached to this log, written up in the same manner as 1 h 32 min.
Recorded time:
11 h 37 min
